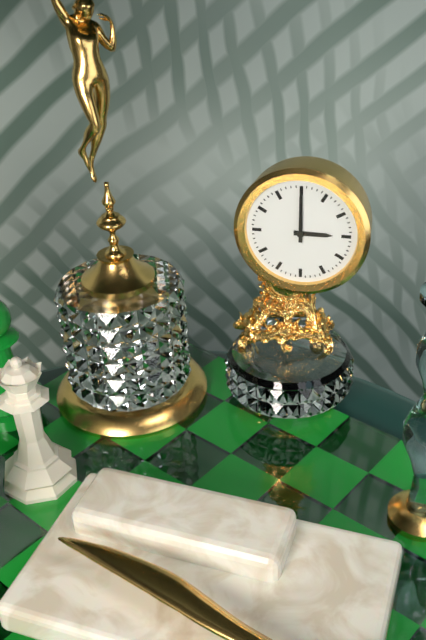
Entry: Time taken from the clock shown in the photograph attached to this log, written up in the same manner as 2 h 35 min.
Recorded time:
3 h 00 min
